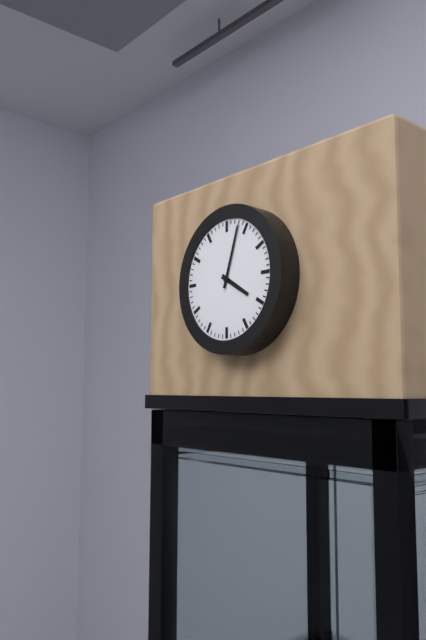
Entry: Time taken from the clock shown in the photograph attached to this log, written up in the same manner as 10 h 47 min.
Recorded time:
4 h 03 min
